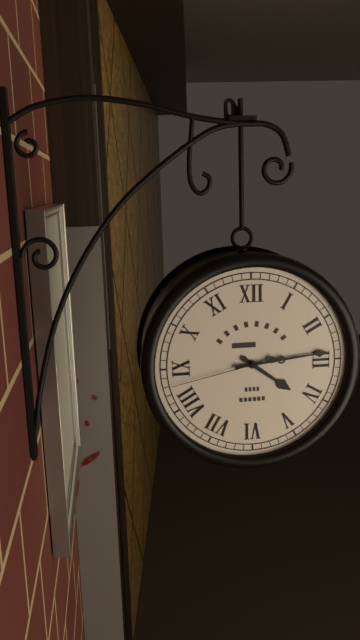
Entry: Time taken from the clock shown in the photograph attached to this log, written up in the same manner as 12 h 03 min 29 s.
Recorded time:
4 h 14 min 43 s
